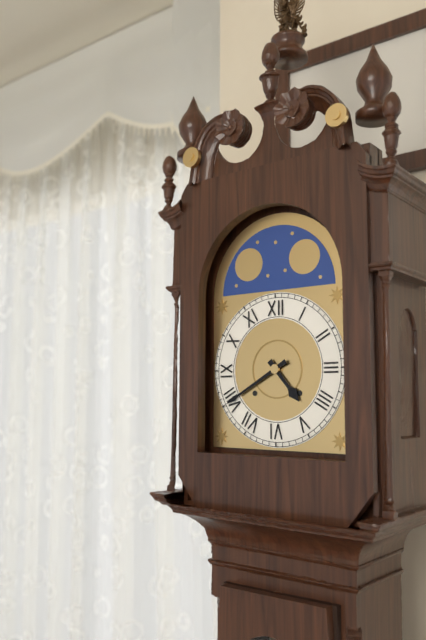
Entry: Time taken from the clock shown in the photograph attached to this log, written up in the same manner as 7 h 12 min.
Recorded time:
4 h 40 min
